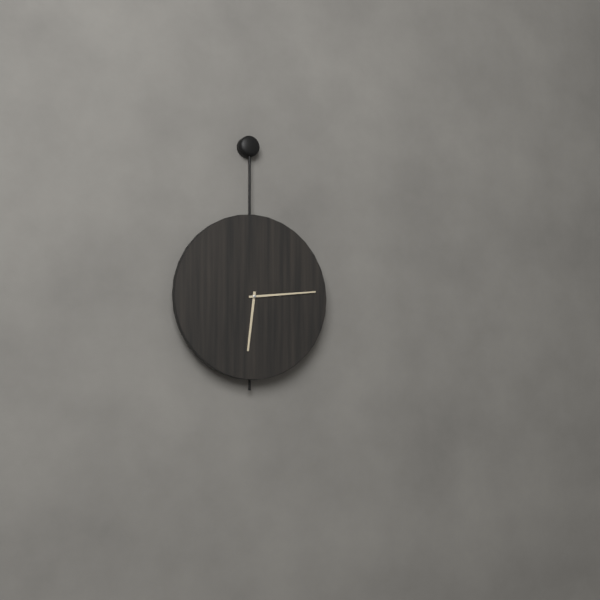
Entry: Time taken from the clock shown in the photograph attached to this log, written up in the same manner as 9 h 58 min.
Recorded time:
6 h 14 min
